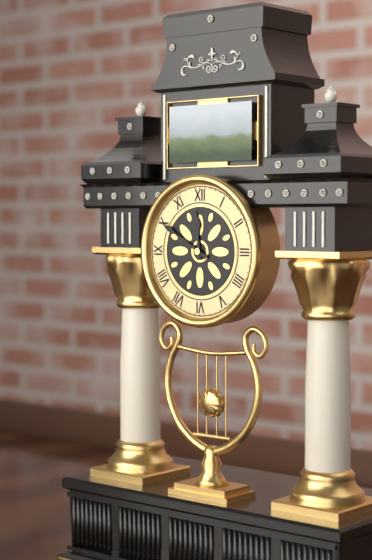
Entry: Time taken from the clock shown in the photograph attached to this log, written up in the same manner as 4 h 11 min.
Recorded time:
11 h 50 min
